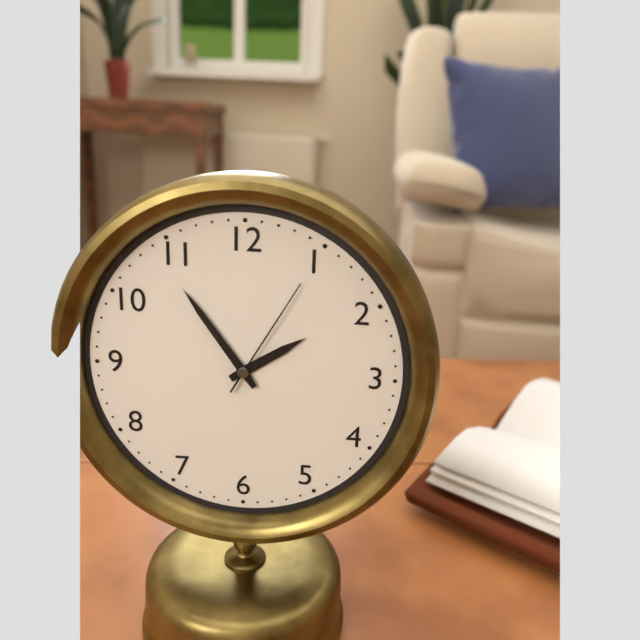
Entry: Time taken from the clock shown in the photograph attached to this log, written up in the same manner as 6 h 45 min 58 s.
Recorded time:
1 h 54 min 05 s
